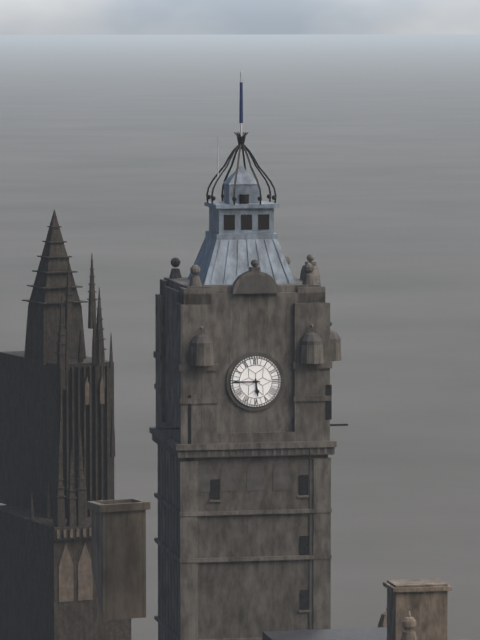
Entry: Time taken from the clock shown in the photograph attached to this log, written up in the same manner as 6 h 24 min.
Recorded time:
5 h 45 min
